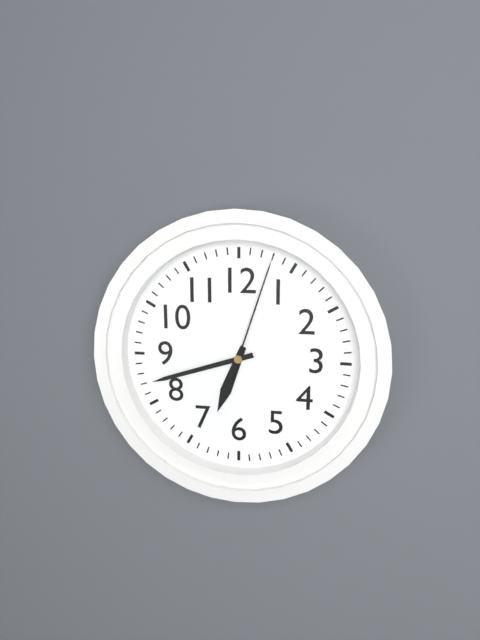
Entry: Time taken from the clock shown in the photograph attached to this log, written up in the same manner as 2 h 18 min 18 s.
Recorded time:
6 h 42 min 03 s
